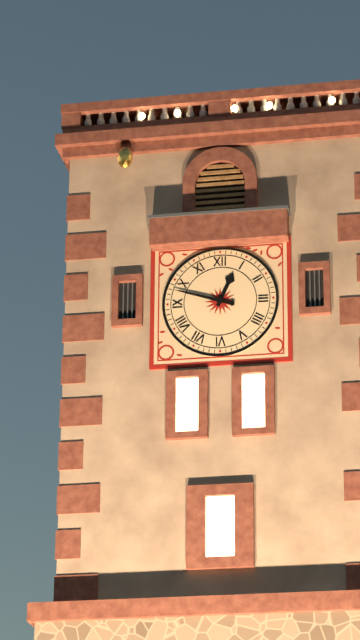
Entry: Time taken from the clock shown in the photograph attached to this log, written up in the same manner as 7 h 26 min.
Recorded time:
12 h 48 min
